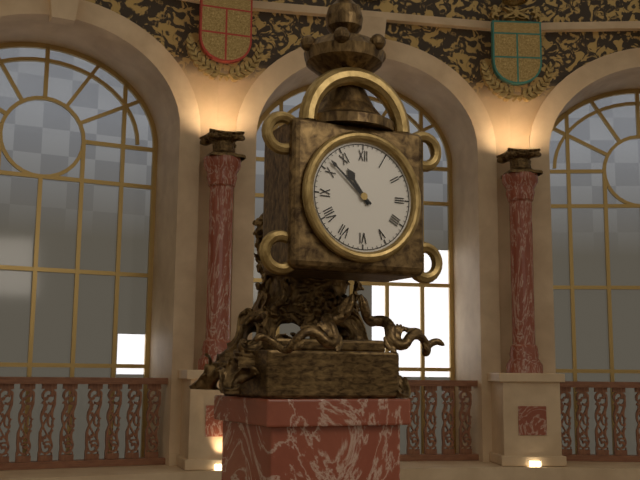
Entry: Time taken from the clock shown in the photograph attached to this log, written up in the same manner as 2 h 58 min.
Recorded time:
10 h 52 min
